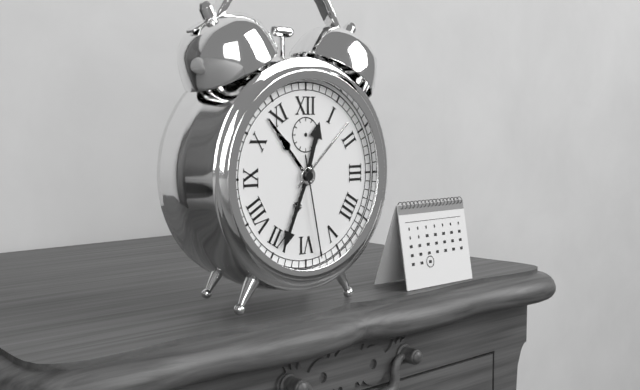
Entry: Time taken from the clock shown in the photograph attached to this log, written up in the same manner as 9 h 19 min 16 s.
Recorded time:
12 h 34 min 28 s
